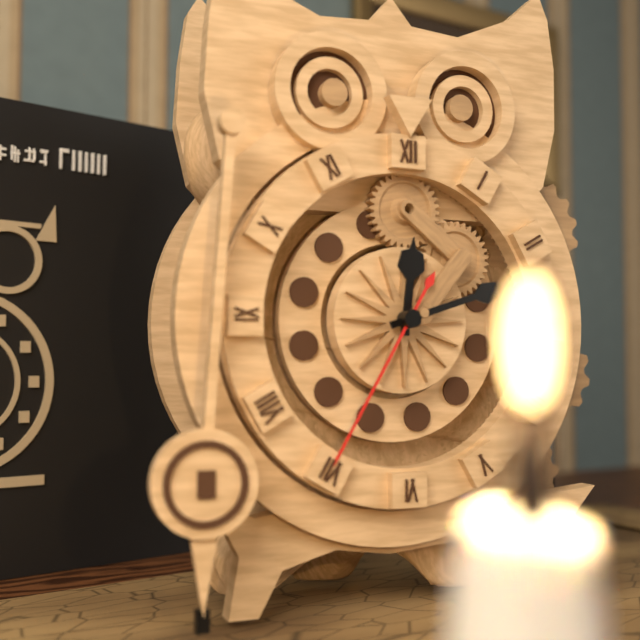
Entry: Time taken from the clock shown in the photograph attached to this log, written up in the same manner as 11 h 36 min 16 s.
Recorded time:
12 h 12 min 35 s
